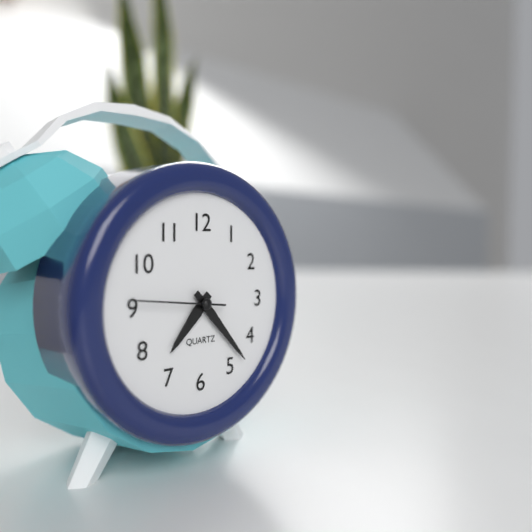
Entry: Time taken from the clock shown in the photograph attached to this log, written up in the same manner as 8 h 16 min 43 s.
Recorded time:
7 h 23 min 46 s
